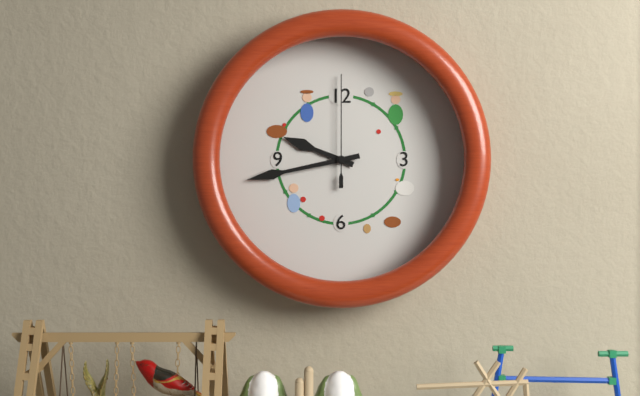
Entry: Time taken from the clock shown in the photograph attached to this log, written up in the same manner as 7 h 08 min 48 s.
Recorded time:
9 h 43 min 00 s
